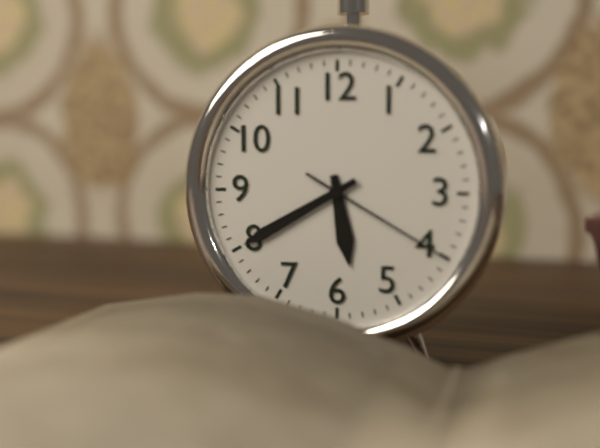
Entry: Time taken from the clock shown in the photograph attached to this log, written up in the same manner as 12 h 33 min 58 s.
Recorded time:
5 h 40 min 20 s
